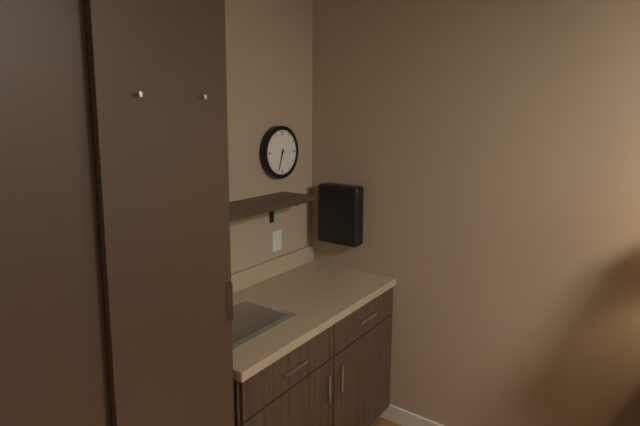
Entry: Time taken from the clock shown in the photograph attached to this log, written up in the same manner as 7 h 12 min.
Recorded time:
6 h 33 min
